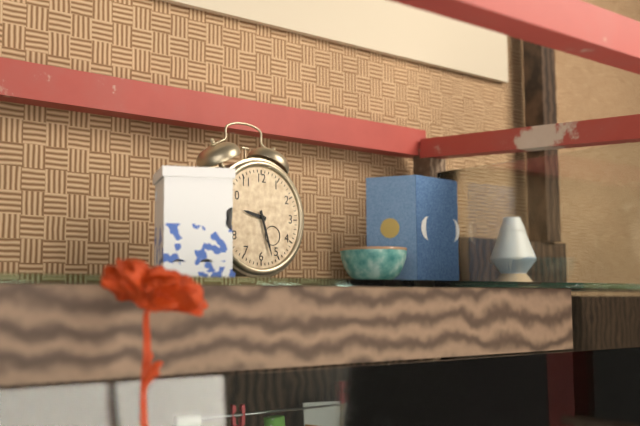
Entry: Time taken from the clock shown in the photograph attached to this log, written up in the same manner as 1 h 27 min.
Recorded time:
9 h 27 min
